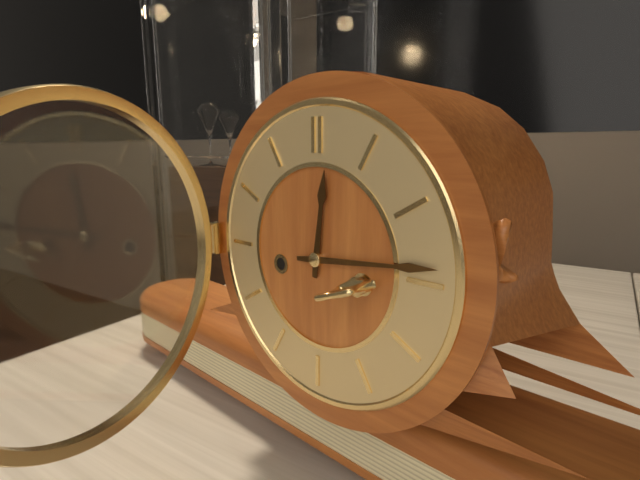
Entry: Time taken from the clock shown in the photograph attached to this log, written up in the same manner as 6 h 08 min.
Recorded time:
12 h 14 min
